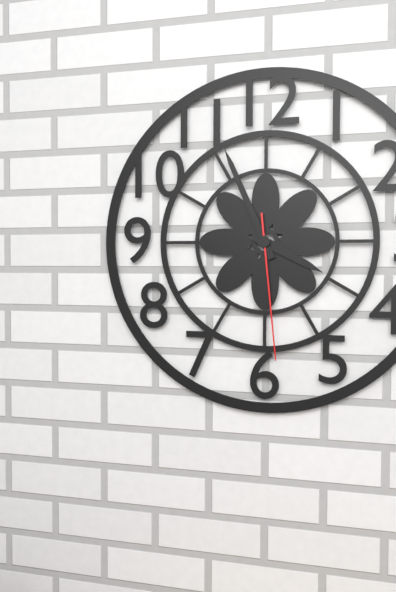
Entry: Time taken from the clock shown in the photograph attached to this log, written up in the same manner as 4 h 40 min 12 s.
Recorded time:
3 h 56 min 29 s
